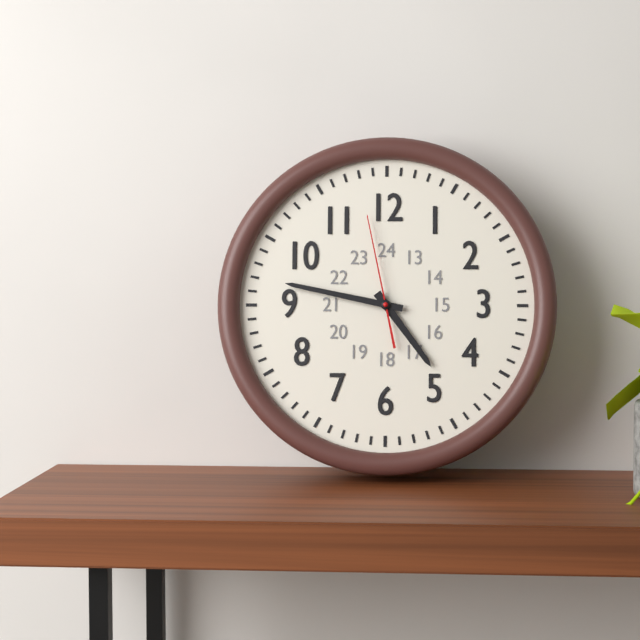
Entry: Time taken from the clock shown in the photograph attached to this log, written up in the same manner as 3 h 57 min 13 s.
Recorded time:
4 h 47 min 58 s
